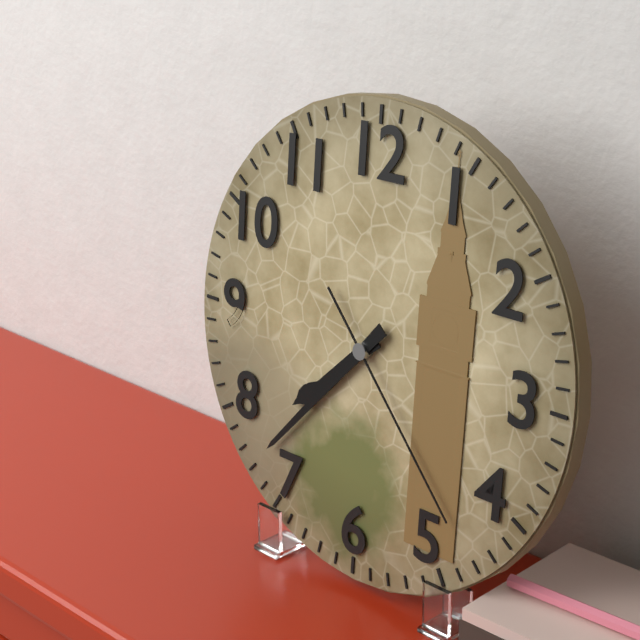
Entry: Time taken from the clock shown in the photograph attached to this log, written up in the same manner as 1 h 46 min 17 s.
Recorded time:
7 h 37 min 23 s
